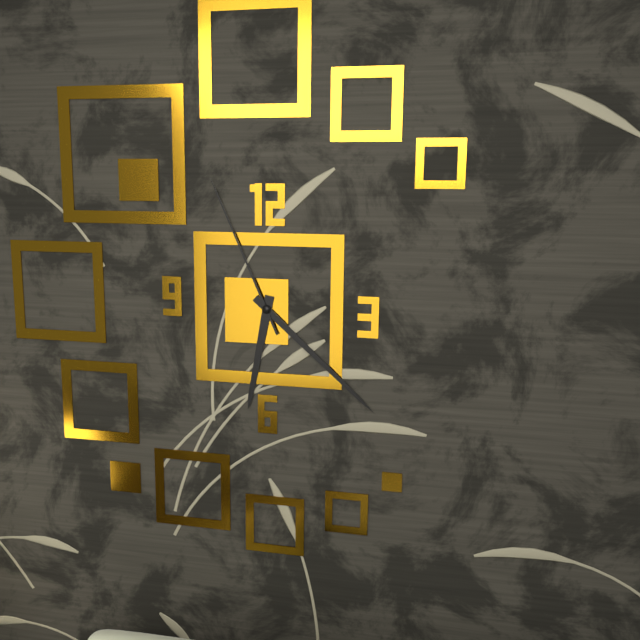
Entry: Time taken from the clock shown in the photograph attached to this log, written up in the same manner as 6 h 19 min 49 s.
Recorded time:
6 h 22 min 56 s
